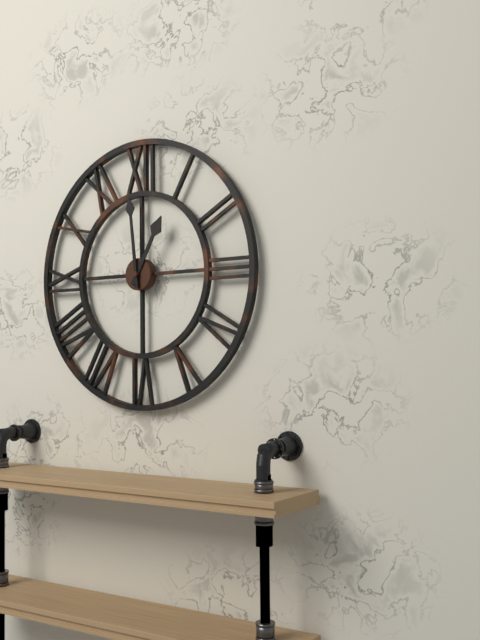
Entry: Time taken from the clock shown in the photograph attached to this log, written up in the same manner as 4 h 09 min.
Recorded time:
12 h 59 min
